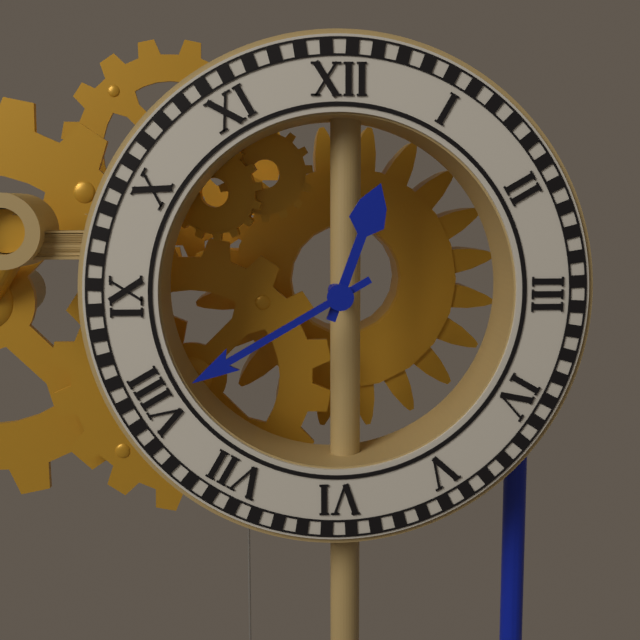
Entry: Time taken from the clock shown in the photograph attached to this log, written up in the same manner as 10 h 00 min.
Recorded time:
12 h 40 min
